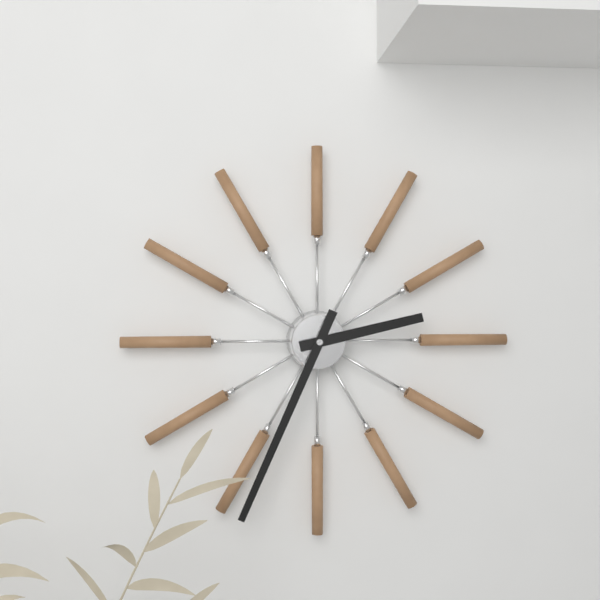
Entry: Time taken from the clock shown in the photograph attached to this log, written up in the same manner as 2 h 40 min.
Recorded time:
2 h 34 min
